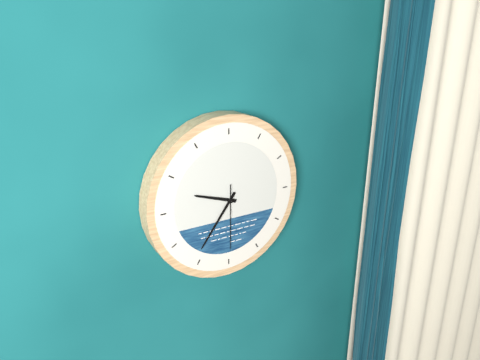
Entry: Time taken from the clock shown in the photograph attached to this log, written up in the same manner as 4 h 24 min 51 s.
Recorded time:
9 h 36 min 30 s
